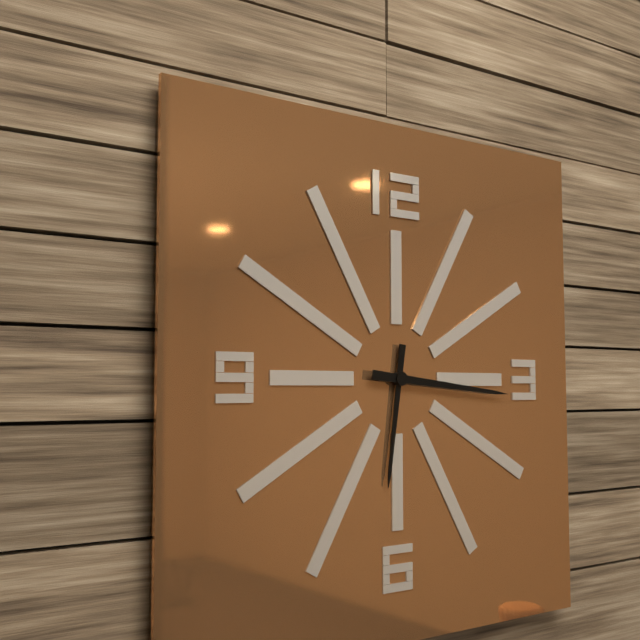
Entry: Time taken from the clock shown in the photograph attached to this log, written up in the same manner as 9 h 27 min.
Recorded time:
6 h 16 min
